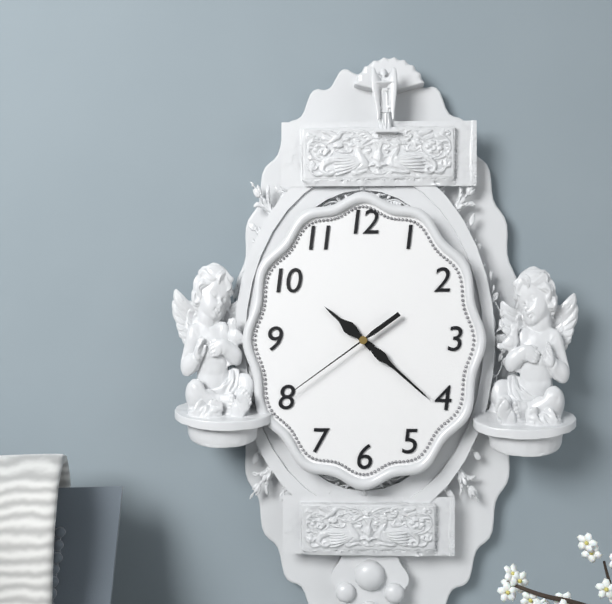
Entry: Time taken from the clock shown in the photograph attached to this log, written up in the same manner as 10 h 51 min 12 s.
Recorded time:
10 h 22 min 39 s
